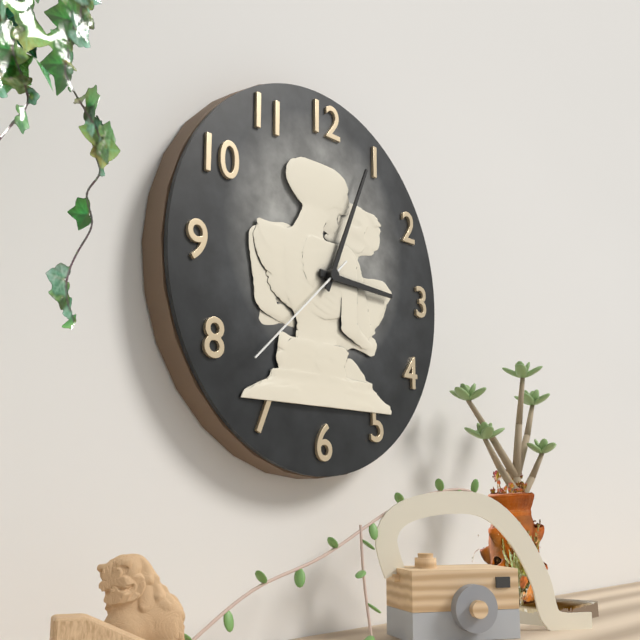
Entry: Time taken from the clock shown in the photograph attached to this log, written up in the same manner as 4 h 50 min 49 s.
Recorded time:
3 h 04 min 38 s
